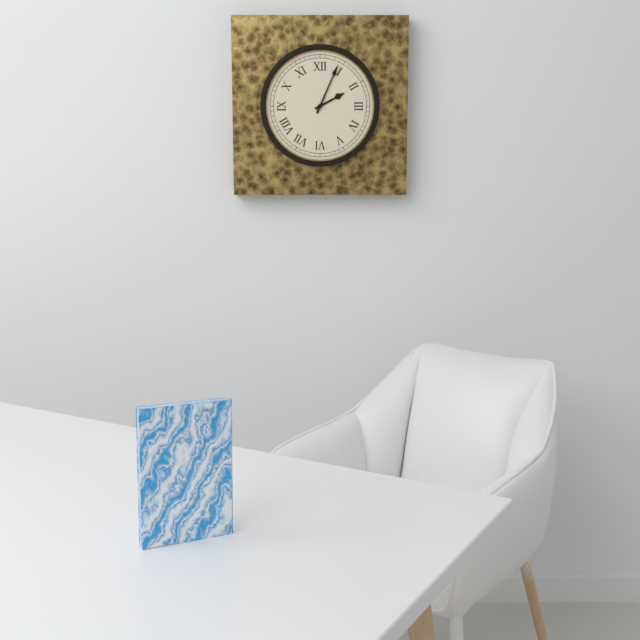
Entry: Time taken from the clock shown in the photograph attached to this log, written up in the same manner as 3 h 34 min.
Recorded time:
2 h 04 min
